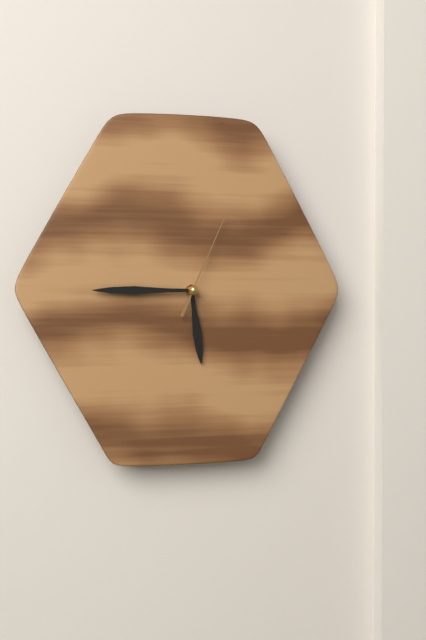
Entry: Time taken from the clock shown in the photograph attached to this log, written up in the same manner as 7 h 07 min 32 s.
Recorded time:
5 h 45 min 04 s
